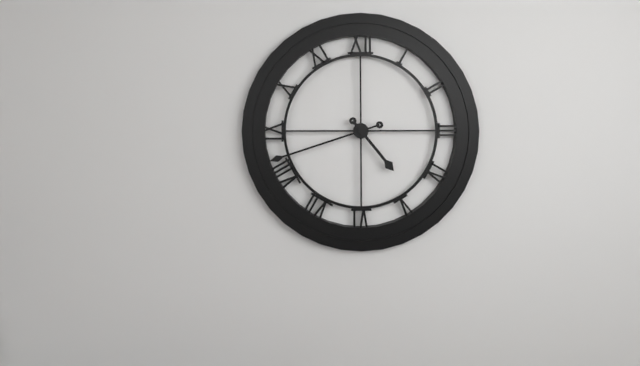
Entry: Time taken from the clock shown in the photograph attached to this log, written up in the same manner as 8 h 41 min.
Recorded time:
4 h 42 min
